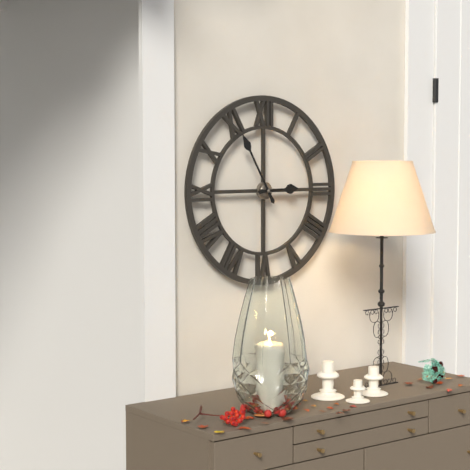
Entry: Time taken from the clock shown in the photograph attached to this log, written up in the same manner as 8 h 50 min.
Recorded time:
2 h 55 min
